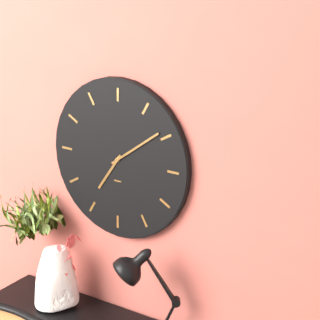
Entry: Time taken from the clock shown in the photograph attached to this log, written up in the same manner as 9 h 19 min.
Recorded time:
7 h 09 min
